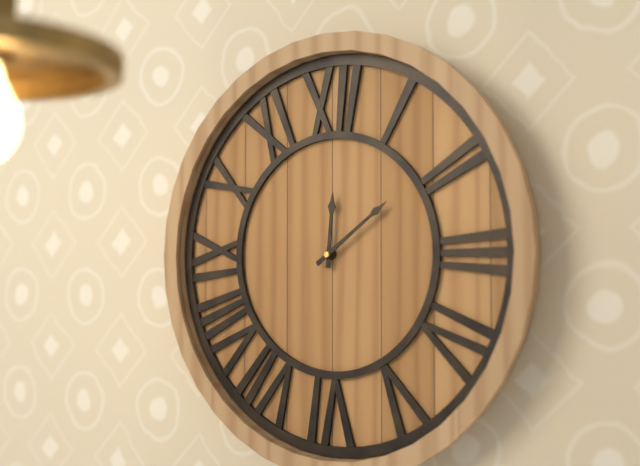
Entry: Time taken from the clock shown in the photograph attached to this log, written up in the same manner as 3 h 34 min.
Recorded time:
12 h 09 min
